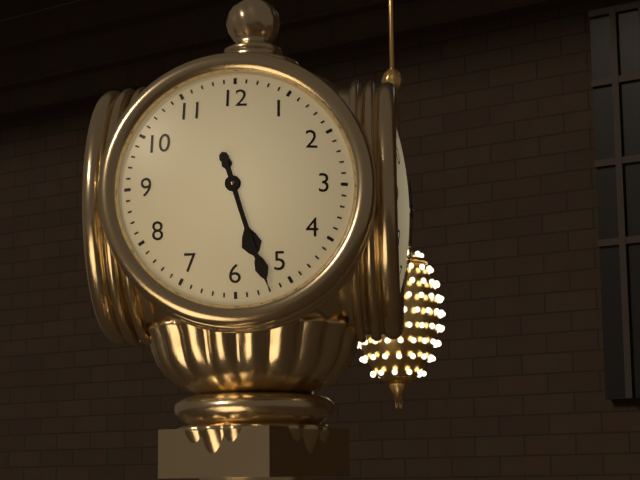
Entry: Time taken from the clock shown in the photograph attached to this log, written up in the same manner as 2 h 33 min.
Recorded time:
5 h 27 min
